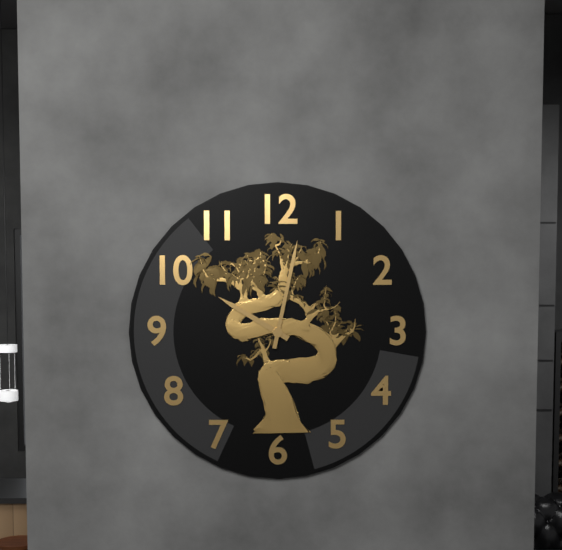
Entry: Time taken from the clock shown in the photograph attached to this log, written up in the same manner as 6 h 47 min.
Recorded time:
10 h 02 min
